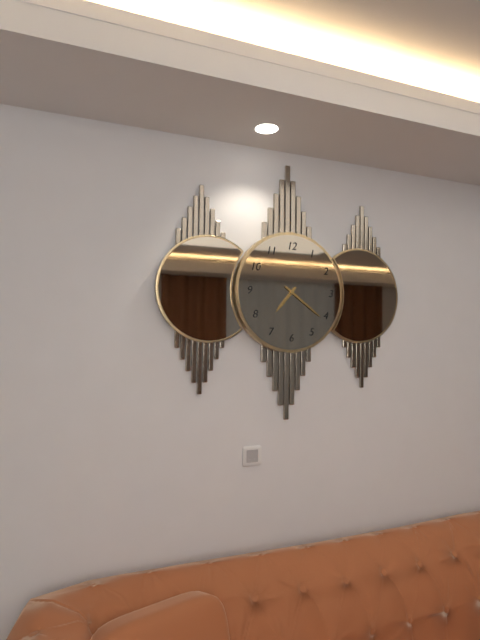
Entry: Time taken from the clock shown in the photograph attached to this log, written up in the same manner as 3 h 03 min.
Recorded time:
7 h 21 min
